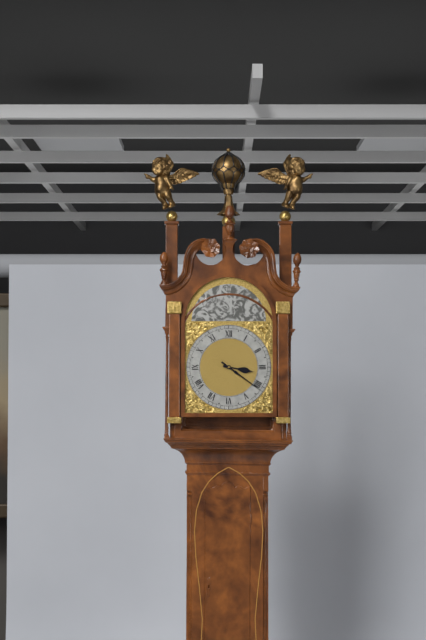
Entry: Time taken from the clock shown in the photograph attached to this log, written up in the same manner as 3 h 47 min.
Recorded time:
3 h 21 min
